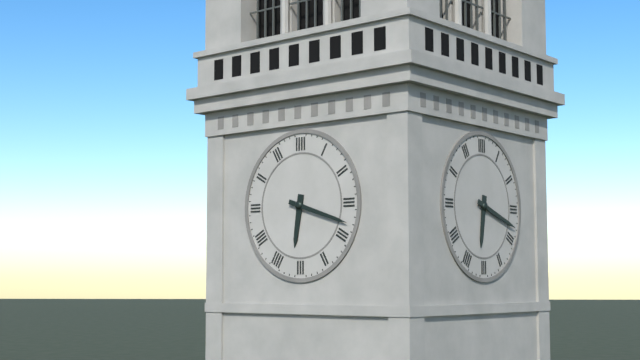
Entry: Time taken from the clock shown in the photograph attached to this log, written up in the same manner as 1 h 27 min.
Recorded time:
6 h 18 min
